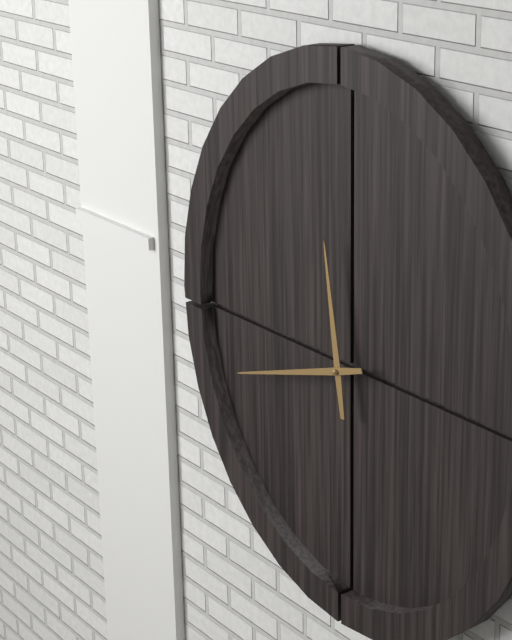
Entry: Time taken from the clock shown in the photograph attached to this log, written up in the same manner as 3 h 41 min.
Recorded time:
11 h 42 min
